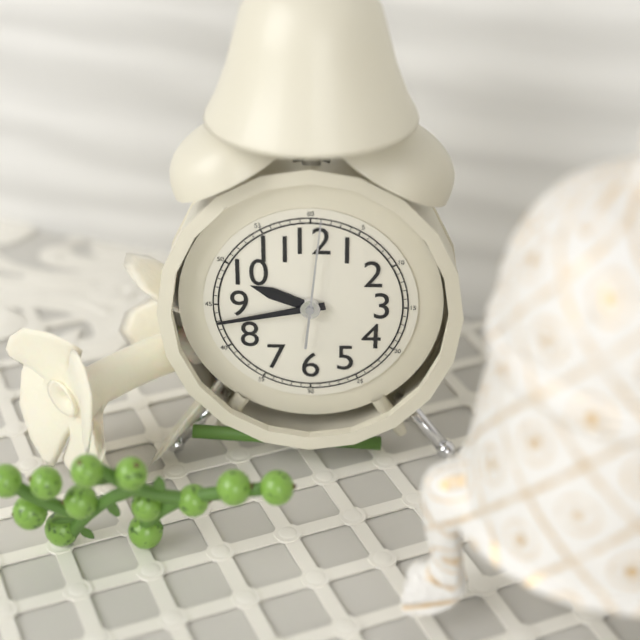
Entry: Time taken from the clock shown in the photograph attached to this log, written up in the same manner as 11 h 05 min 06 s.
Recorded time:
9 h 43 min 01 s
